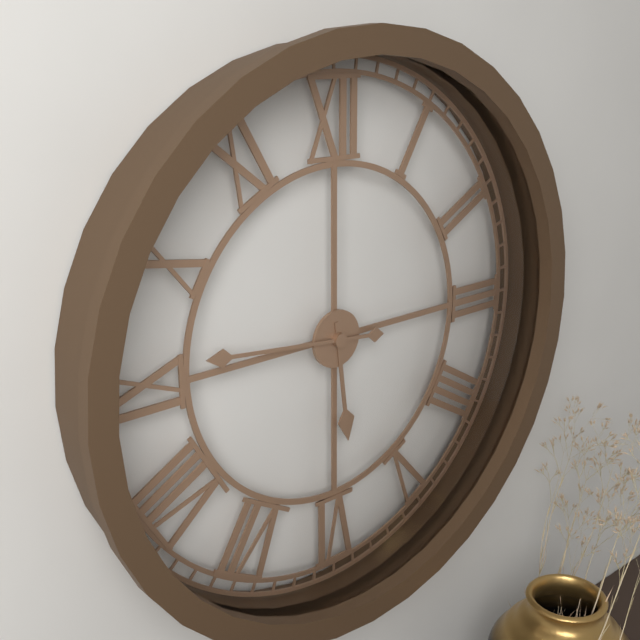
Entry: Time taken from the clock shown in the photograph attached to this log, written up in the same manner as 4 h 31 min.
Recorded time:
5 h 46 min
